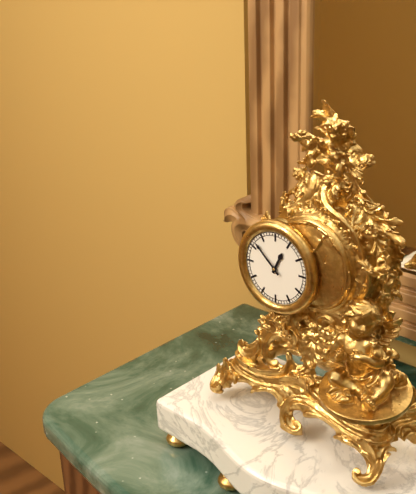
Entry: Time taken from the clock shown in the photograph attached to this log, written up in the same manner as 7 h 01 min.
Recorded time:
12 h 52 min
